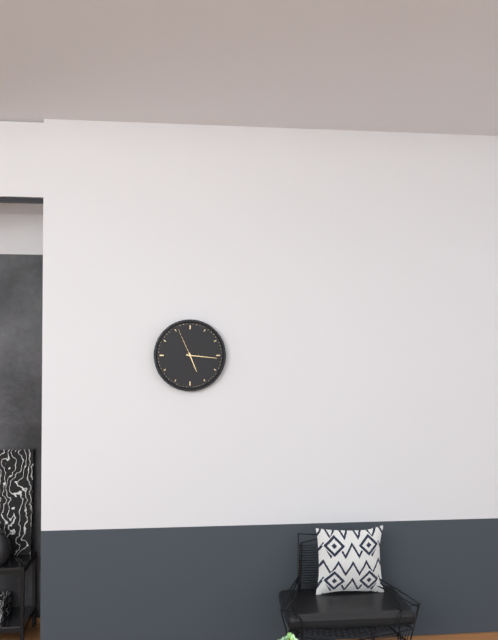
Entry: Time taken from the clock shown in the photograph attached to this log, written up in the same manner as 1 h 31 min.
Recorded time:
5 h 16 min
